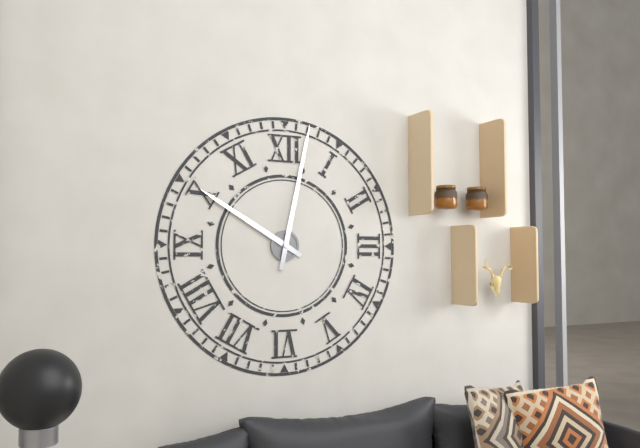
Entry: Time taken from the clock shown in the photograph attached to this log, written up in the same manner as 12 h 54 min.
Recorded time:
10 h 02 min
